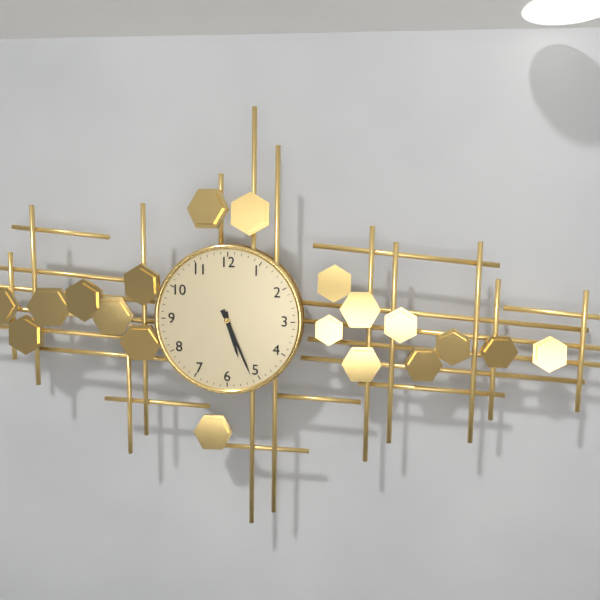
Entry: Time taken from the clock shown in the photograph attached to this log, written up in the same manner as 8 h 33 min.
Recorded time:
5 h 26 min
